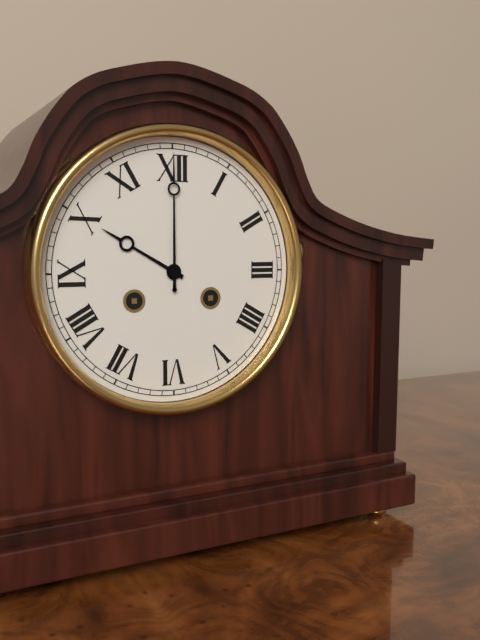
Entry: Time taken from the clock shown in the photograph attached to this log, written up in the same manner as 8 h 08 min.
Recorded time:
10 h 00 min
